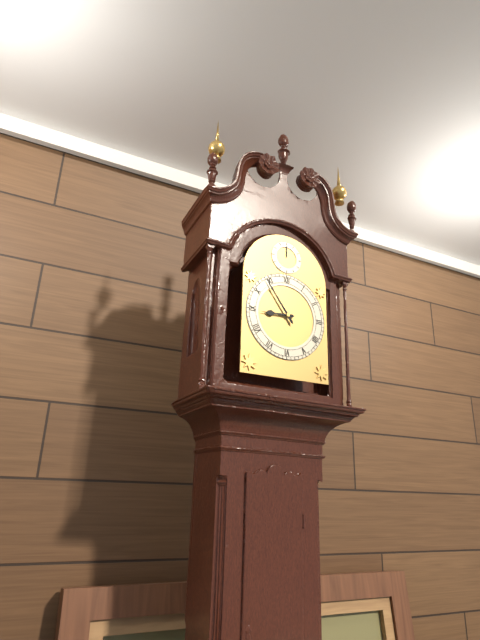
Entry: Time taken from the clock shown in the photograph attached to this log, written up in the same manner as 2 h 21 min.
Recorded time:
8 h 54 min
